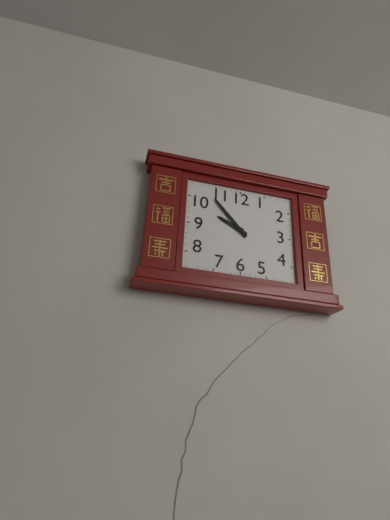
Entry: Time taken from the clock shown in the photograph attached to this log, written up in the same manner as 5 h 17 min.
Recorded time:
9 h 53 min
